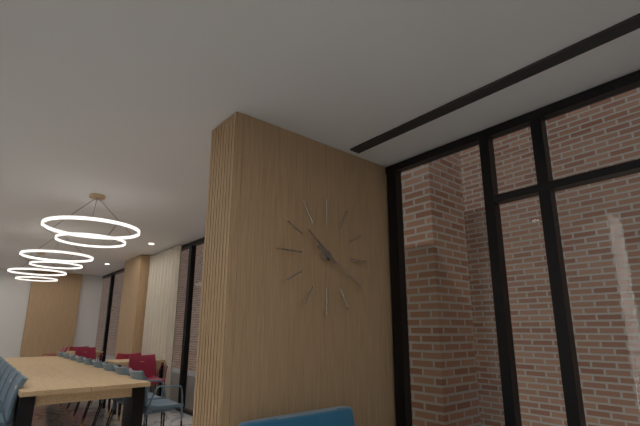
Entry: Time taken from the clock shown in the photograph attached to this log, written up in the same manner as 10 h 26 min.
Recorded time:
10 h 20 min
